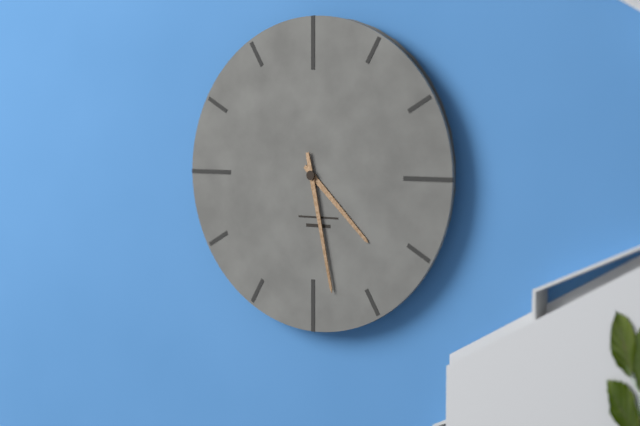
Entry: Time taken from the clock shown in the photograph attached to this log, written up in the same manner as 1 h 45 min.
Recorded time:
4 h 28 min
